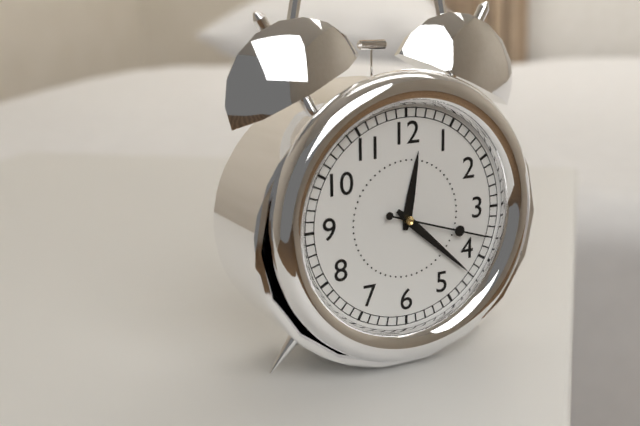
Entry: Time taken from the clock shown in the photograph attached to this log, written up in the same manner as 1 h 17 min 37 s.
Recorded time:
12 h 22 min 18 s
